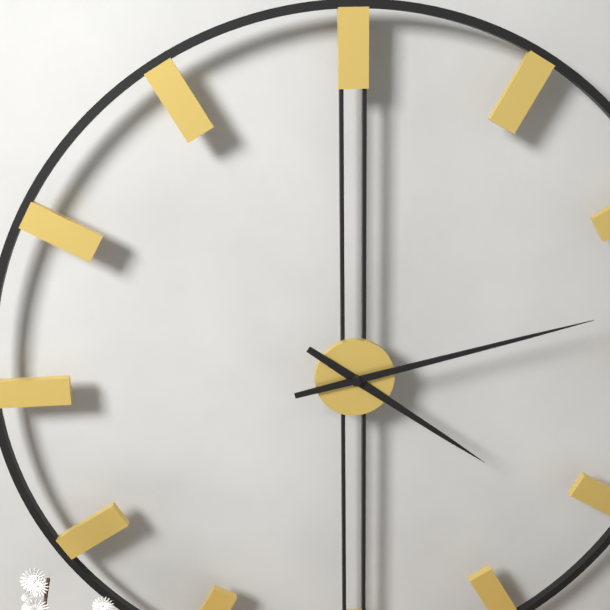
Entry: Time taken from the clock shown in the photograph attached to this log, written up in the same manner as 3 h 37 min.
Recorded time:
4 h 13 min
